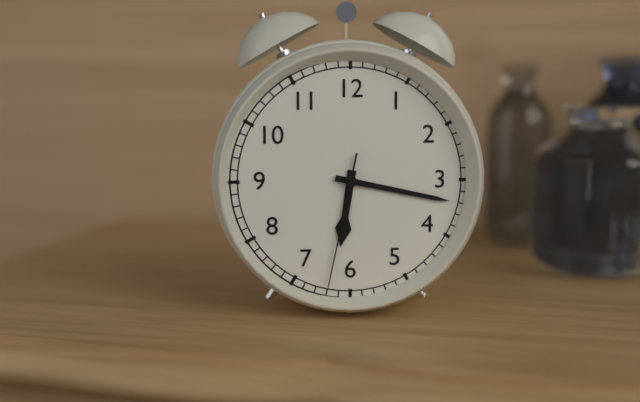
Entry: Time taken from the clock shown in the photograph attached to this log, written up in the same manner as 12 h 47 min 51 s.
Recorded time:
6 h 17 min 32 s
